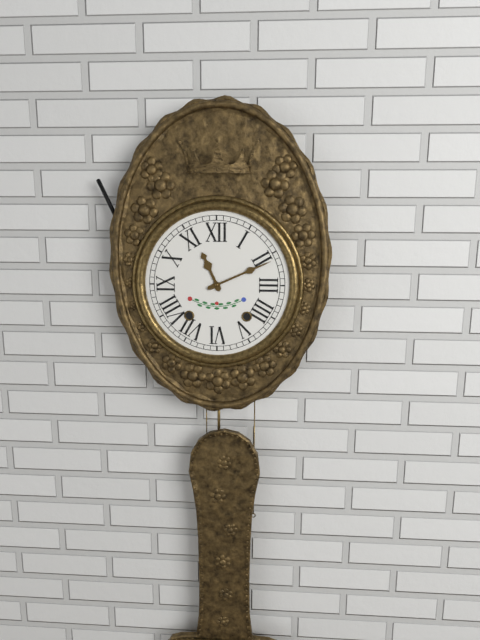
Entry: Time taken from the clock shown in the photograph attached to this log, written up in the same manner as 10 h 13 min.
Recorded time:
11 h 11 min
